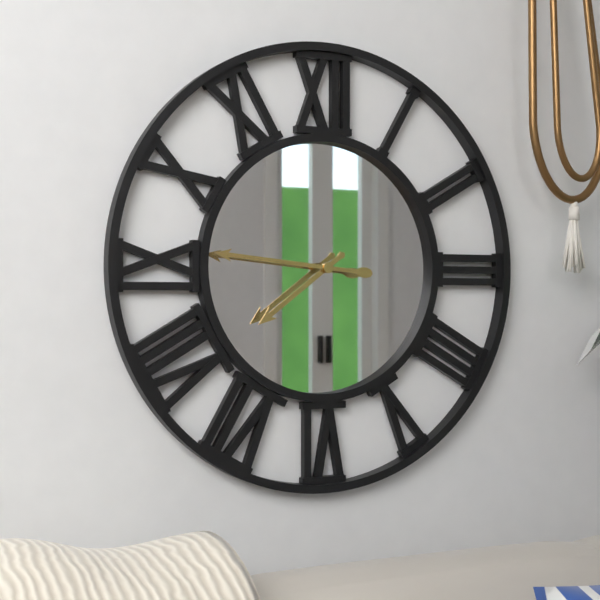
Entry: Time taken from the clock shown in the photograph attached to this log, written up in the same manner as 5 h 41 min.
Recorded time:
7 h 46 min
